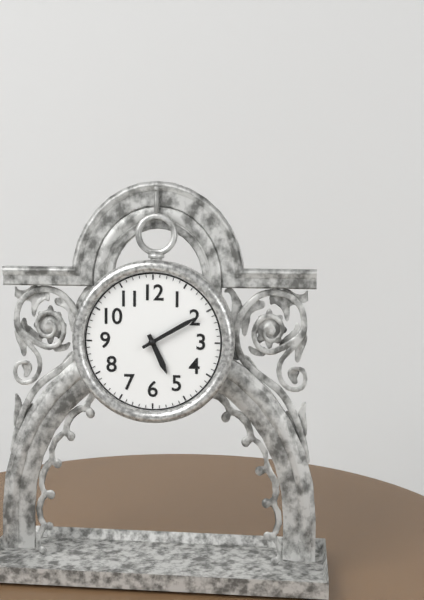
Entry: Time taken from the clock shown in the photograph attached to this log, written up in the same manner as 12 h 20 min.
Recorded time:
5 h 10 min
